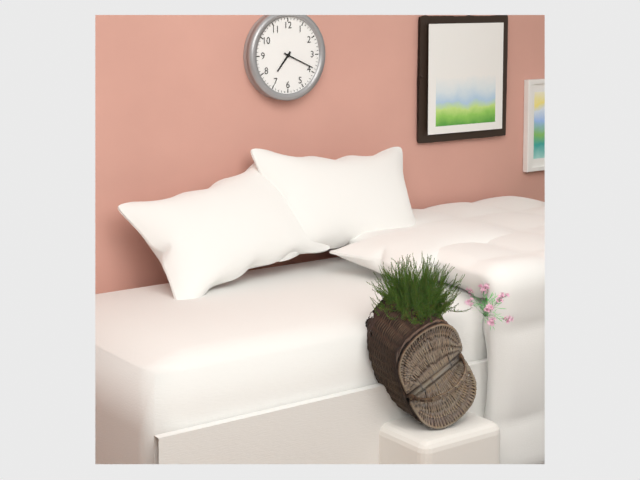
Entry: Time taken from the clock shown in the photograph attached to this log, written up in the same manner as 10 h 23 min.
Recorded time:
7 h 19 min
